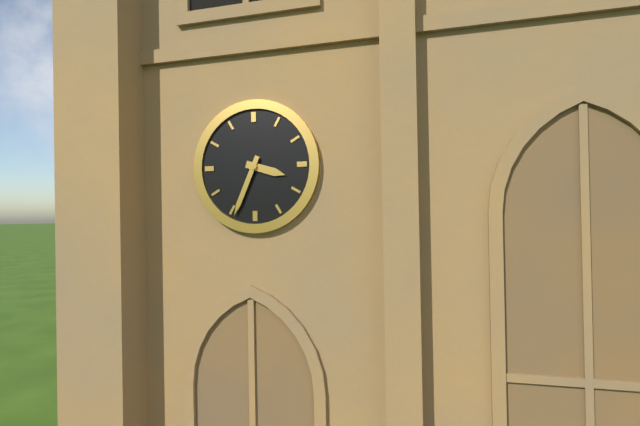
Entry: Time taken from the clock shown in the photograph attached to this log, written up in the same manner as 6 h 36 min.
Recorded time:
3 h 34 min
